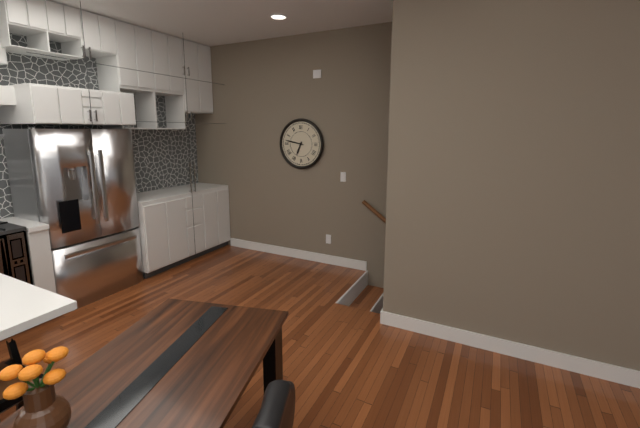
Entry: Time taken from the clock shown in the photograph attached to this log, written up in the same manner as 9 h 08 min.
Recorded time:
6 h 47 min
